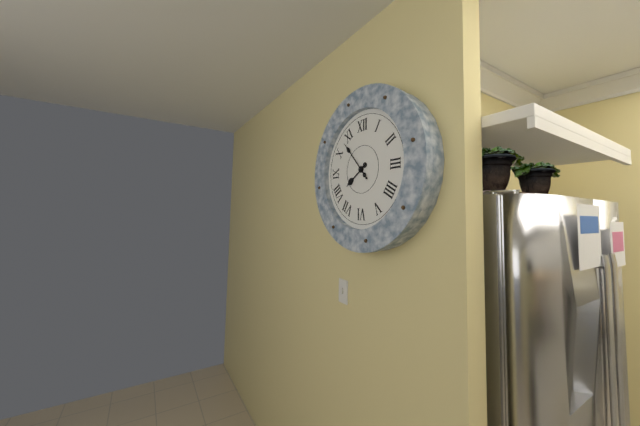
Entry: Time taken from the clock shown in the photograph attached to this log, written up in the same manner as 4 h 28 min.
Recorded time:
7 h 53 min
